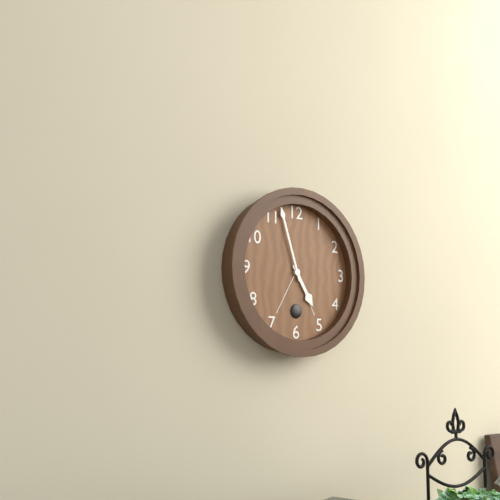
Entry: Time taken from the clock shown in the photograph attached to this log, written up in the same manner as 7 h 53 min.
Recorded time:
4 h 57 min
